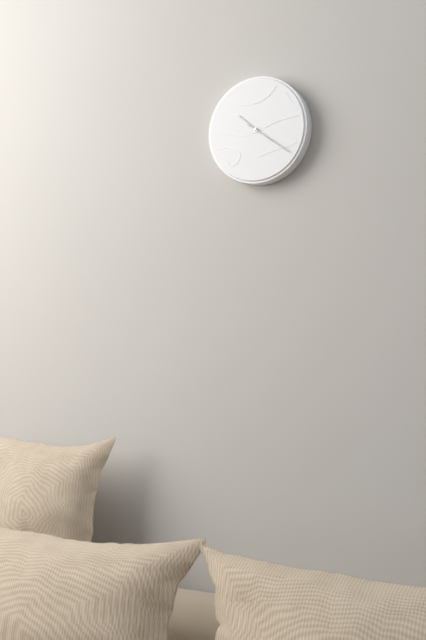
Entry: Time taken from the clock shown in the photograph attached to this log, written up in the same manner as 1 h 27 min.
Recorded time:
10 h 21 min
